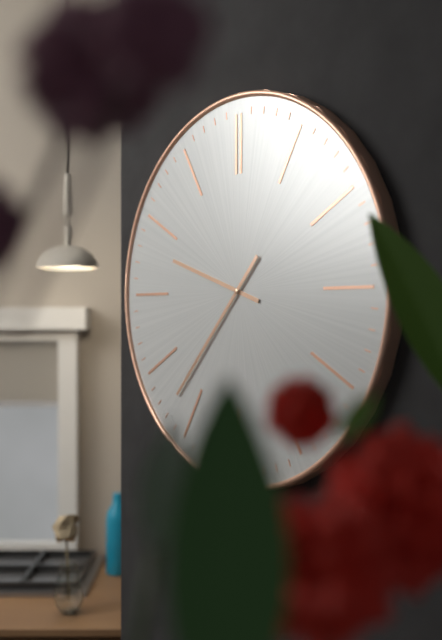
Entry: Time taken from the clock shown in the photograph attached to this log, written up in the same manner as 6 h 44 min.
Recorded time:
9 h 37 min
